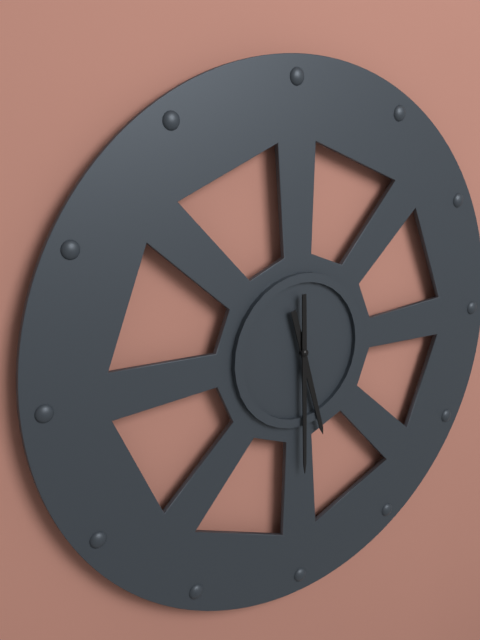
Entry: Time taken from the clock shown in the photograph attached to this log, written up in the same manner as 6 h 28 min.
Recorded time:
5 h 30 min
